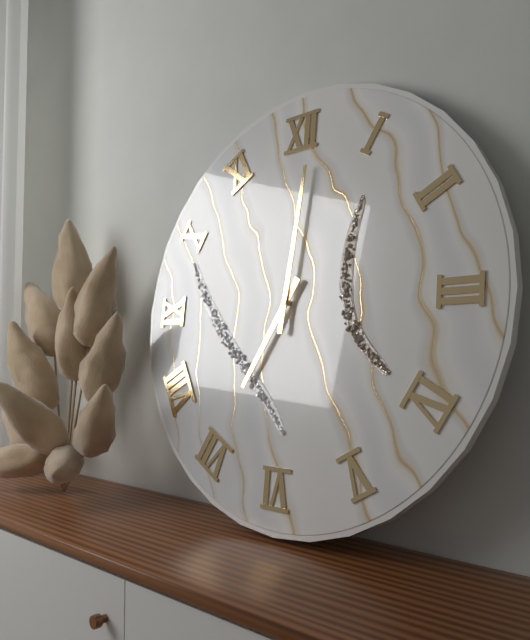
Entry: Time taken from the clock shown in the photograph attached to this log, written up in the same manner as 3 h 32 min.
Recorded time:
7 h 01 min
